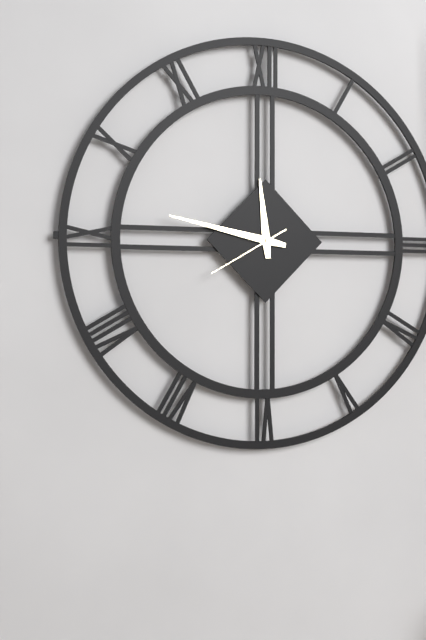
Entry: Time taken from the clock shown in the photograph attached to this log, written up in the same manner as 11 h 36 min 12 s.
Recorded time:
11 h 47 min 40 s
